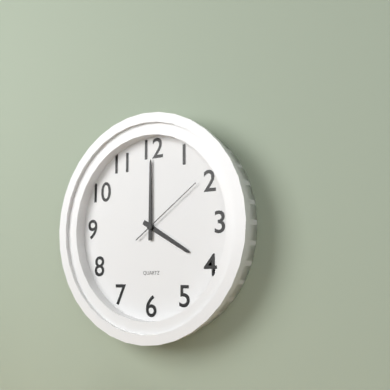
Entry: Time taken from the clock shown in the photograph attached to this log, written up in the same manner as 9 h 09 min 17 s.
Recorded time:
4 h 00 min 09 s
